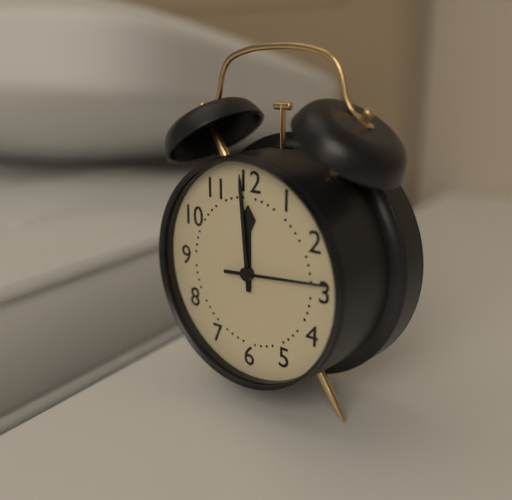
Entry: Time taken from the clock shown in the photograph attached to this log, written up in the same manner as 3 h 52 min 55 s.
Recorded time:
11 h 59 min 14 s
